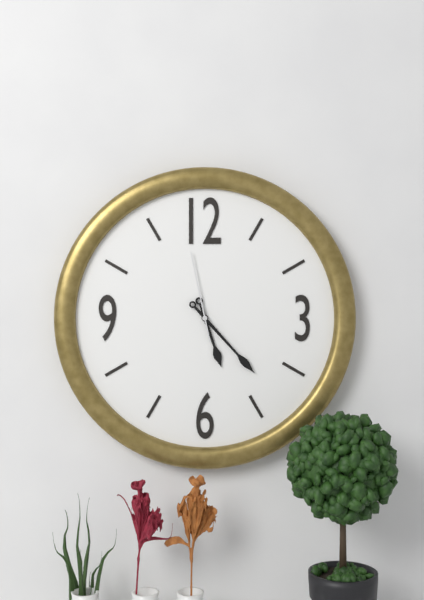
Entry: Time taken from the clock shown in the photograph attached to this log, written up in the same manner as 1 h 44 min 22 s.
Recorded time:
5 h 23 min 58 s
